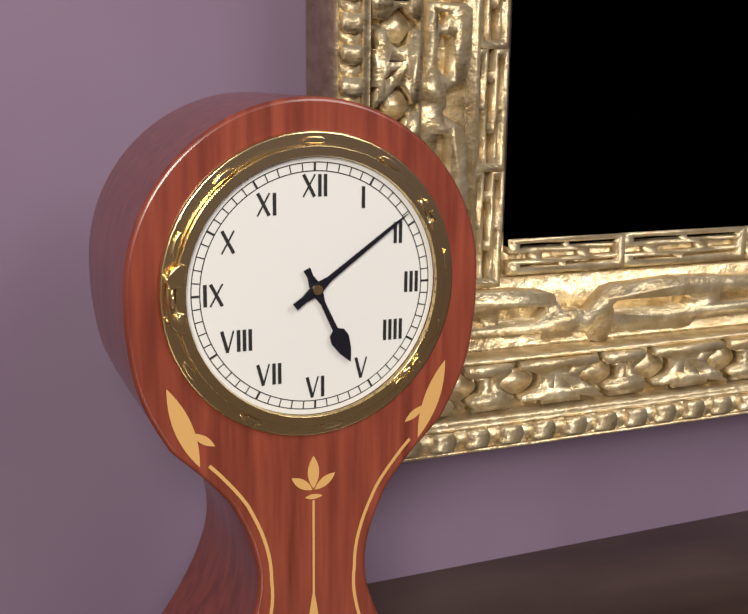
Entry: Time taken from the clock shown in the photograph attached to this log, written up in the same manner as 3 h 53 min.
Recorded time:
5 h 09 min
